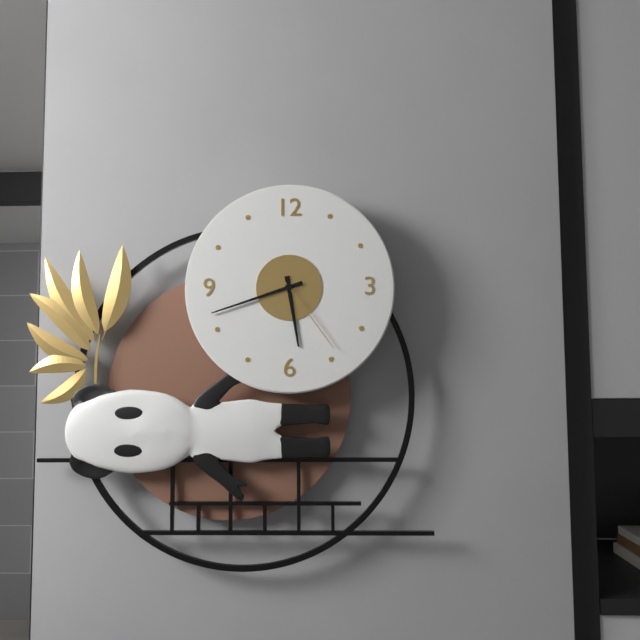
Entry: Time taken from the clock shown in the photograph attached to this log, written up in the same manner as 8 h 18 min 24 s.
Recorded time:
5 h 42 min 24 s
